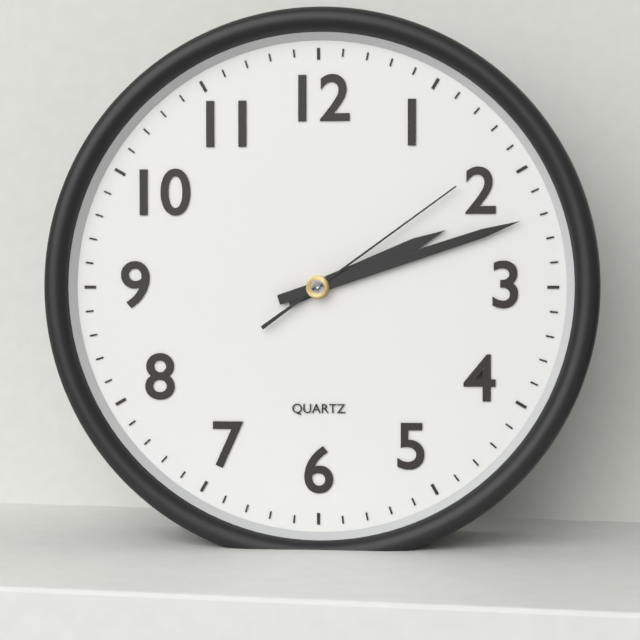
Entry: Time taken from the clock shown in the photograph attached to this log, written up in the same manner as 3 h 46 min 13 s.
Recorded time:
2 h 12 min 09 s
